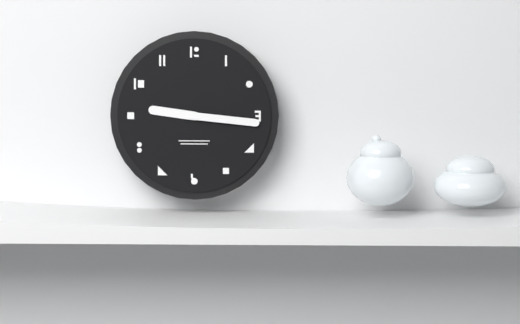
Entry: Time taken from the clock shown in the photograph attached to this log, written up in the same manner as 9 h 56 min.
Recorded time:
9 h 16 min
